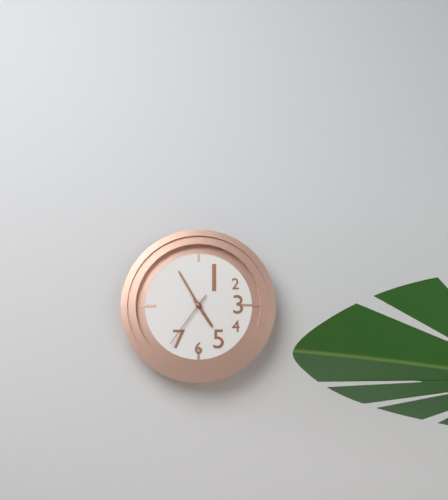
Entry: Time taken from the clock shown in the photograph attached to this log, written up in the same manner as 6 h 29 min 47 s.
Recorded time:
4 h 55 min 36 s
